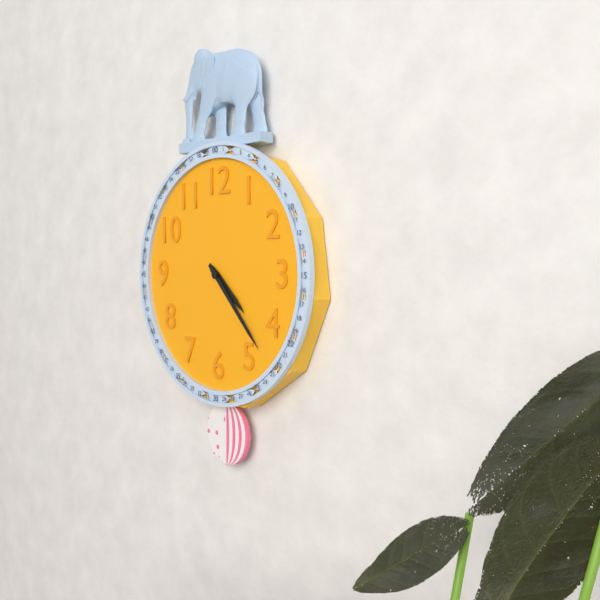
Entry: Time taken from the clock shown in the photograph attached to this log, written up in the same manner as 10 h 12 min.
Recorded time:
4 h 23 min
